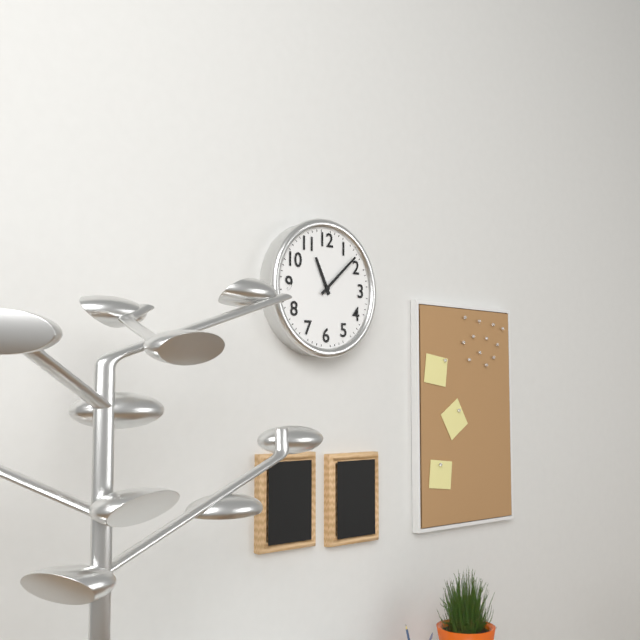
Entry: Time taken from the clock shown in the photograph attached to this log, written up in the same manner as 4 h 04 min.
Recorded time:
11 h 08 min
